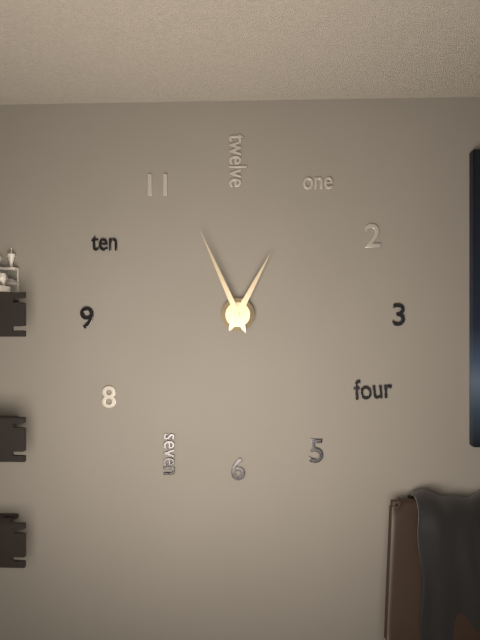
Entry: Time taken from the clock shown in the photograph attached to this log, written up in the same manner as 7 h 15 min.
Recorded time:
12 h 56 min
